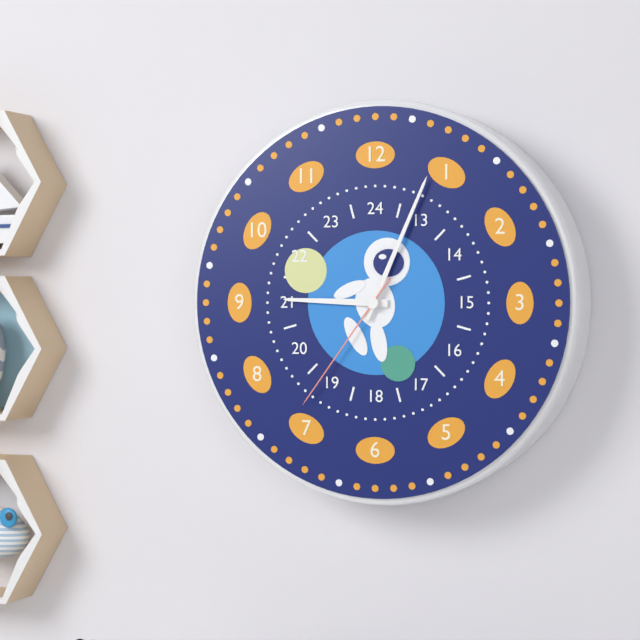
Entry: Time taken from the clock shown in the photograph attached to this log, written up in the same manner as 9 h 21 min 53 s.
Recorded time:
9 h 04 min 36 s
